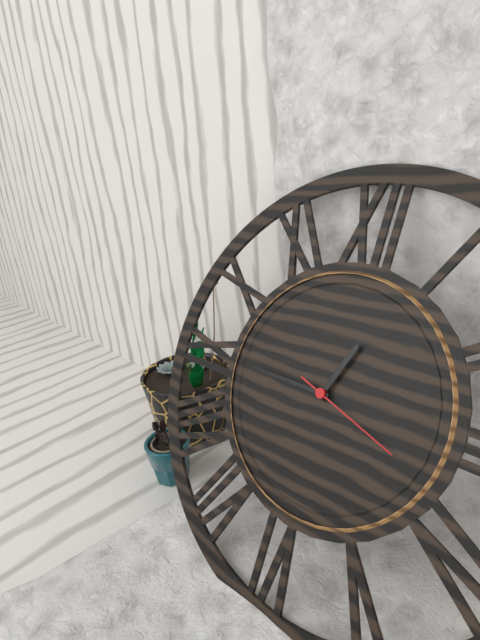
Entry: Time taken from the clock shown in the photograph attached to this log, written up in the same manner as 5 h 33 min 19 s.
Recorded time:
12 h 45 min 18 s
